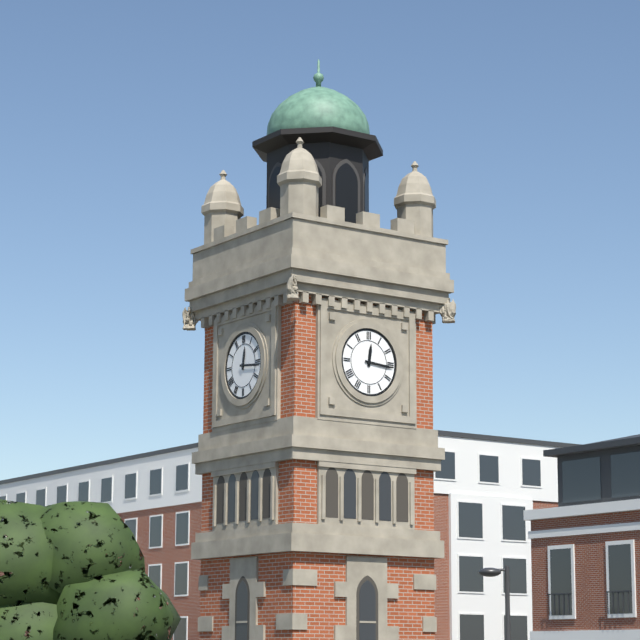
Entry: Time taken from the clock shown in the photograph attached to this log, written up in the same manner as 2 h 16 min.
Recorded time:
12 h 16 min
